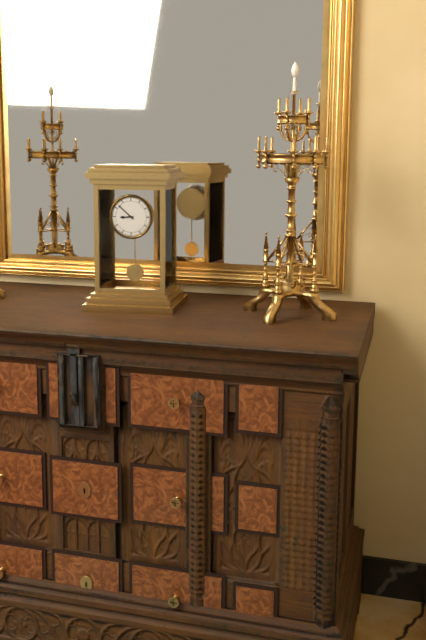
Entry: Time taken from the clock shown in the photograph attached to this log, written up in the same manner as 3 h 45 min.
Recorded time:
8 h 52 min
